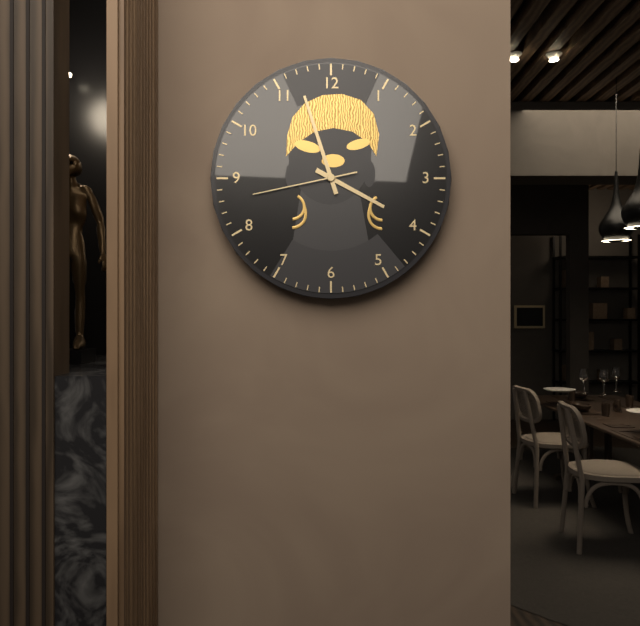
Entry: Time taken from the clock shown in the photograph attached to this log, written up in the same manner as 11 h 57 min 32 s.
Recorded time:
3 h 57 min 43 s
